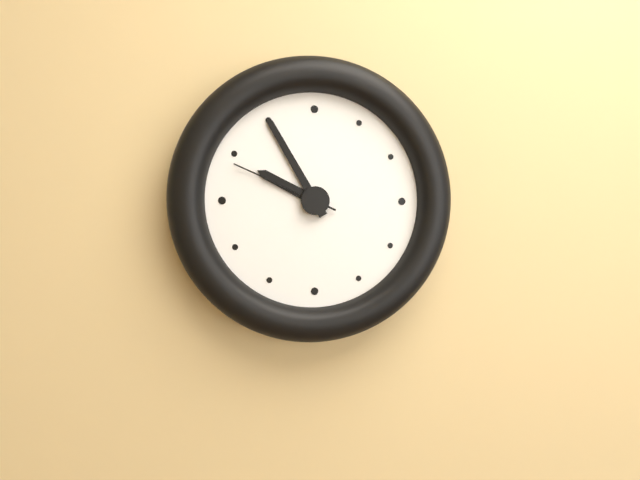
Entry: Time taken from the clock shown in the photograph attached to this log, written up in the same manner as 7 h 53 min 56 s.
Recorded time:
9 h 55 min 49 s
